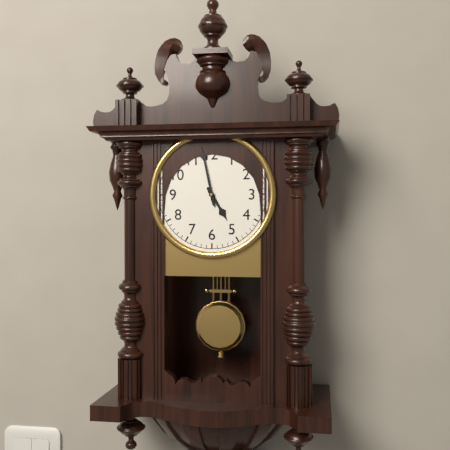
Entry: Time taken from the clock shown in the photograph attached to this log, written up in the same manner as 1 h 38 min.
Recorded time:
4 h 58 min
